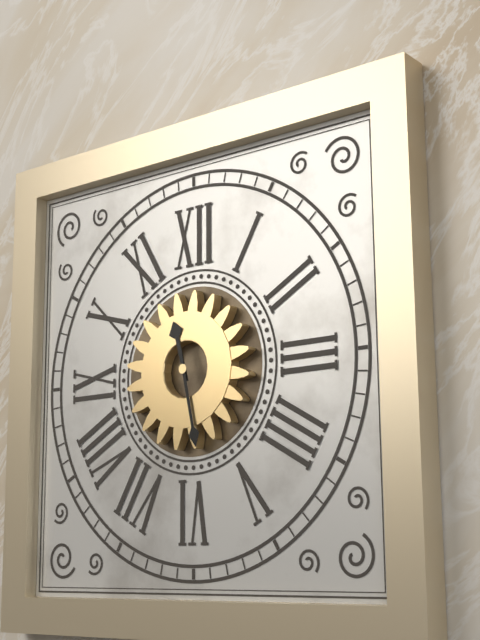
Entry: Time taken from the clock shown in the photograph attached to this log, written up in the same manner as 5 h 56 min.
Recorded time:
11 h 28 min
